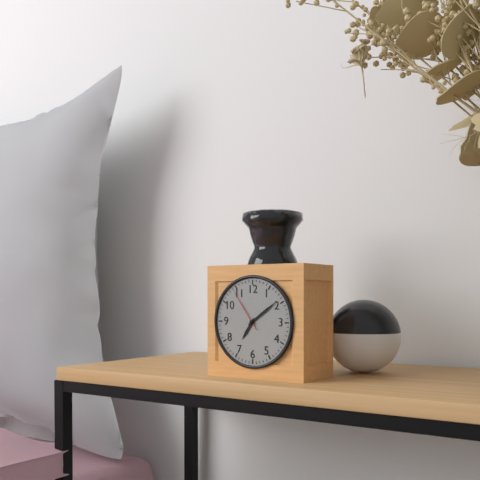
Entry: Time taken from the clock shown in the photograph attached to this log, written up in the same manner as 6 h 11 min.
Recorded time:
7 h 09 min
